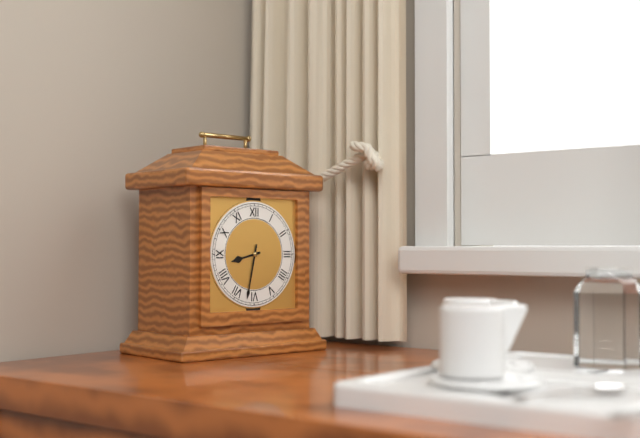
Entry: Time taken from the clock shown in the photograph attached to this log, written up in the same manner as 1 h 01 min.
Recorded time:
8 h 32 min
